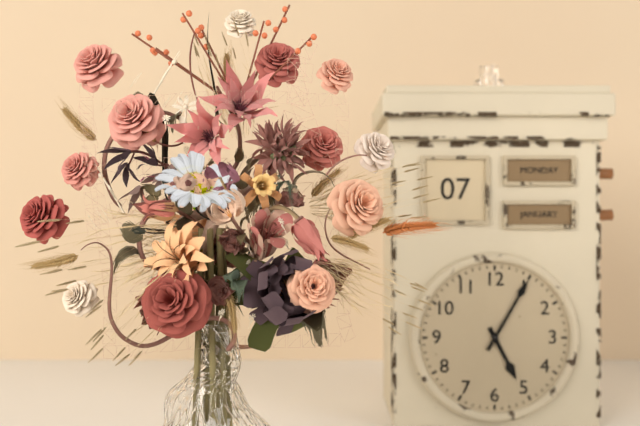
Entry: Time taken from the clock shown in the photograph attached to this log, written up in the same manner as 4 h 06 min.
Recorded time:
5 h 05 min
